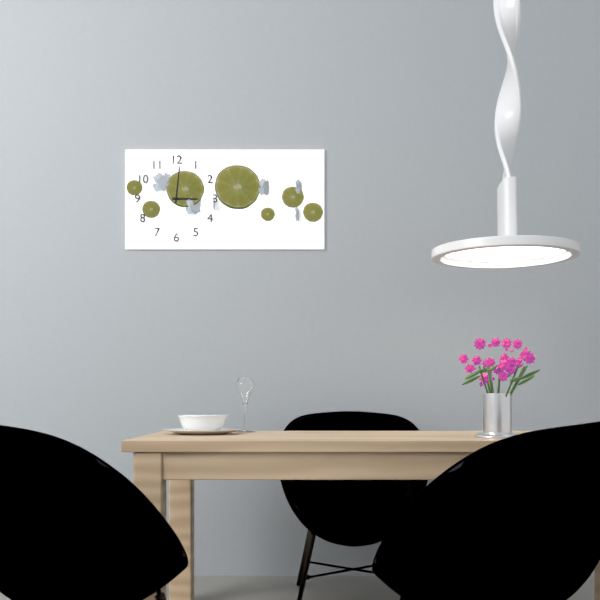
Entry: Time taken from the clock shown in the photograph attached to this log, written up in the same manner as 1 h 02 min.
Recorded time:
3 h 01 min
